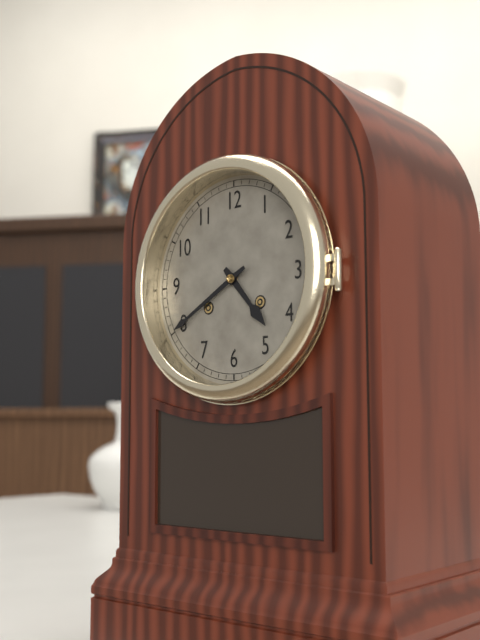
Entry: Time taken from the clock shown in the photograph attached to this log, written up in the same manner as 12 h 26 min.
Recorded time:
4 h 40 min
